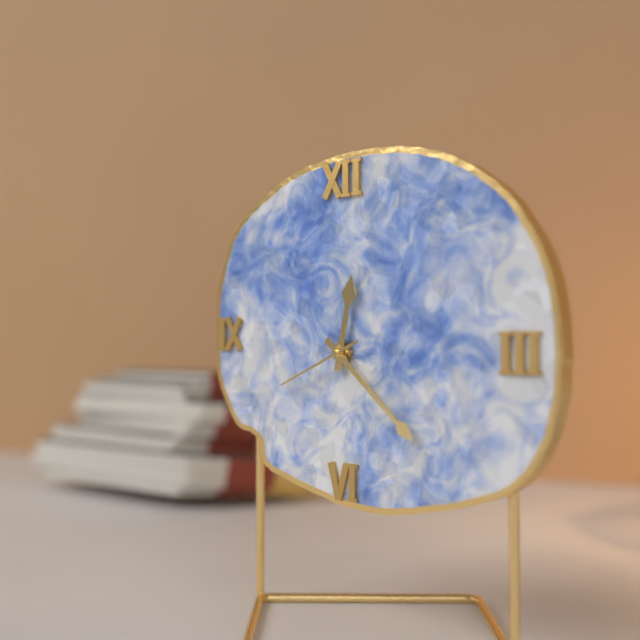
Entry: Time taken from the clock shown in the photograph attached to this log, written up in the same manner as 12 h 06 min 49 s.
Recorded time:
12 h 22 min 41 s
